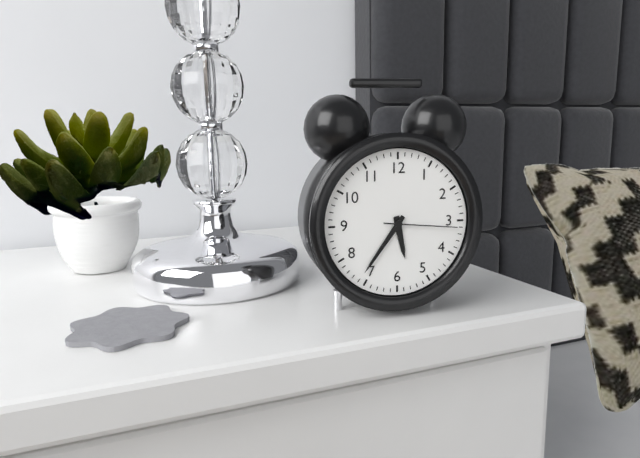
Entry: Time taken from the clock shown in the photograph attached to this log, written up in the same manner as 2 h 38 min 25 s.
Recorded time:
5 h 36 min 16 s
